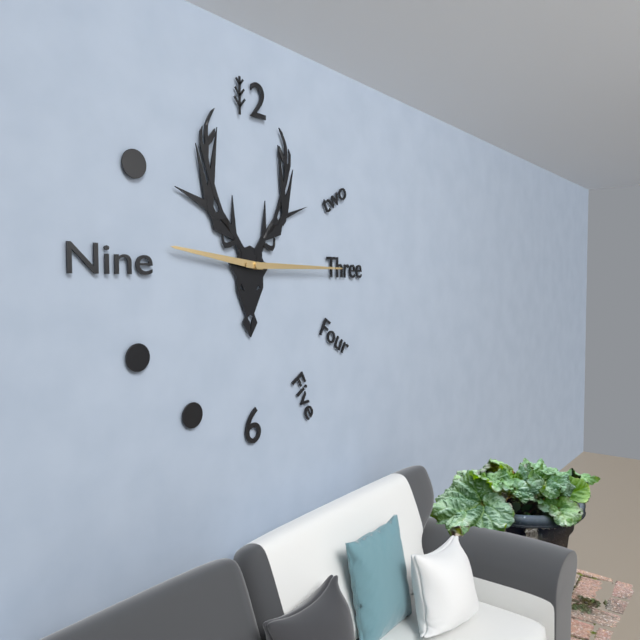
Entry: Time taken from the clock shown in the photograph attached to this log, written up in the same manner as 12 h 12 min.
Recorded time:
9 h 15 min
